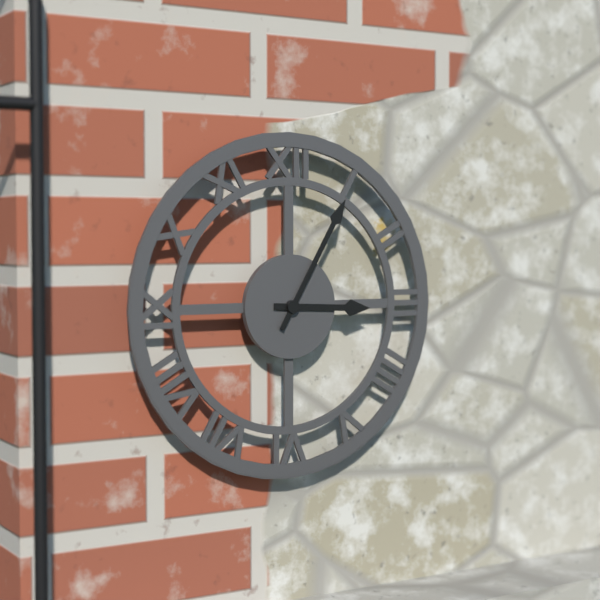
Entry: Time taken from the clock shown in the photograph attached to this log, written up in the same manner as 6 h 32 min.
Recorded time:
3 h 05 min
